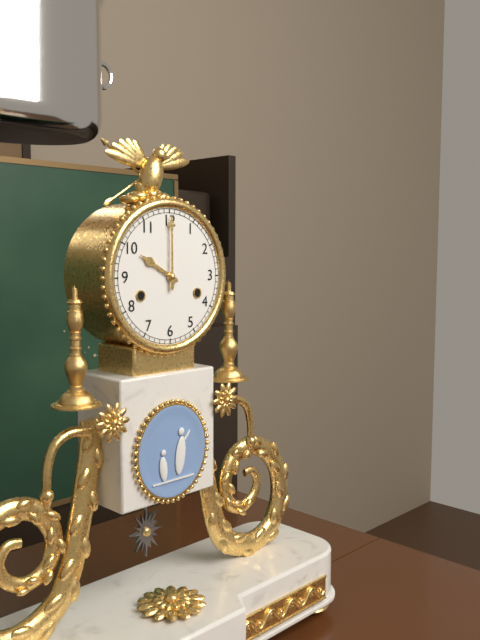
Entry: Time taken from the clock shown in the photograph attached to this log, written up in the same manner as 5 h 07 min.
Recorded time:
10 h 00 min
